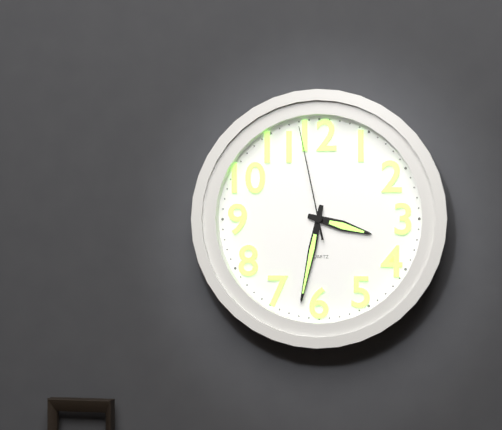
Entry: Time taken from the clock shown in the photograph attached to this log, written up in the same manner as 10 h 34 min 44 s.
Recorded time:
3 h 32 min 58 s
